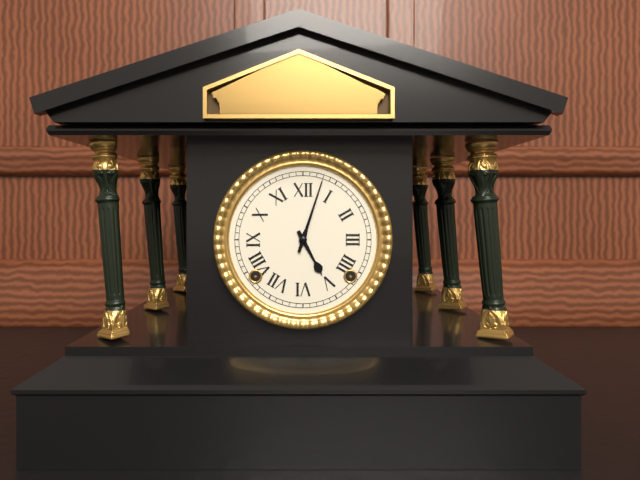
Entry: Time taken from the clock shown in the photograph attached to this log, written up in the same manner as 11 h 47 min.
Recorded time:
5 h 03 min
